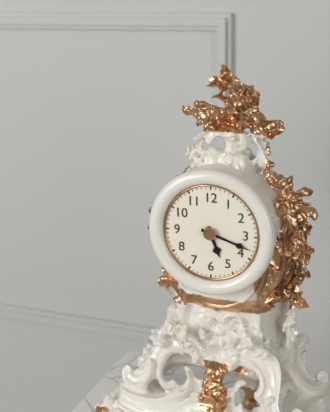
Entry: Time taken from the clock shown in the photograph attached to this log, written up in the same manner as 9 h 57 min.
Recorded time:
5 h 18 min
